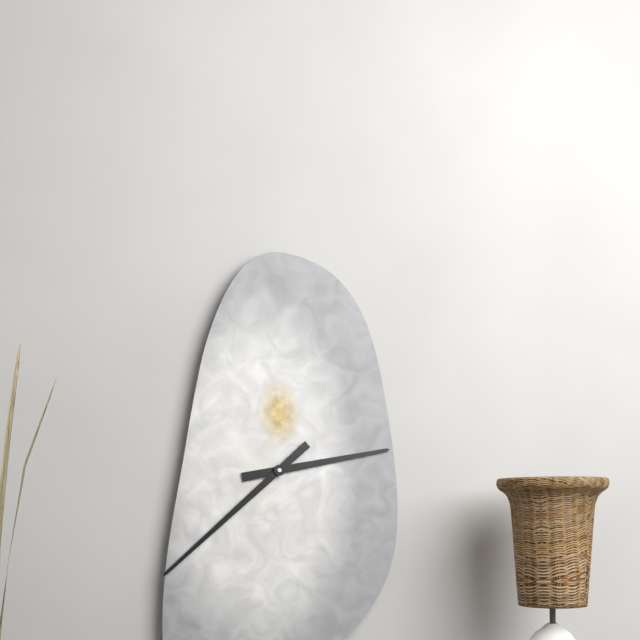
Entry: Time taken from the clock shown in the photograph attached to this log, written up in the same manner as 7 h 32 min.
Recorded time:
2 h 38 min
